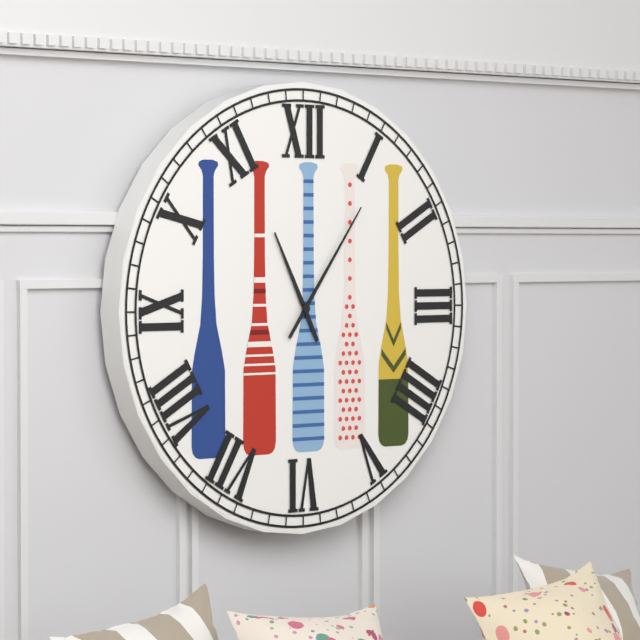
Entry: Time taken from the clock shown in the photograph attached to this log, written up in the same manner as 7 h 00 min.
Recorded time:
11 h 06 min
